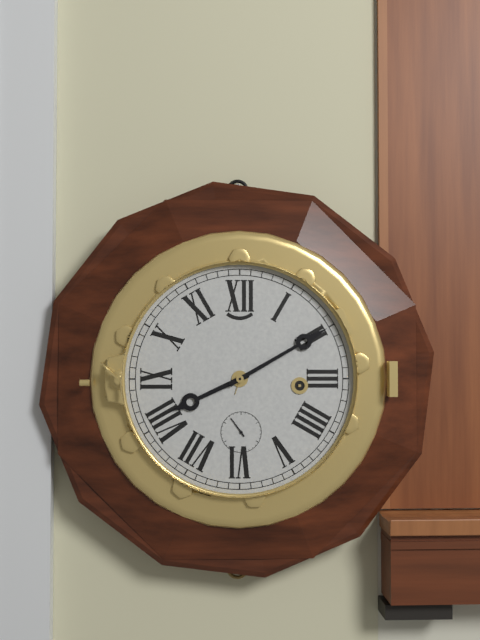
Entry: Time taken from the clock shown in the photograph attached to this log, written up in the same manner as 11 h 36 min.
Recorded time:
8 h 10 min
